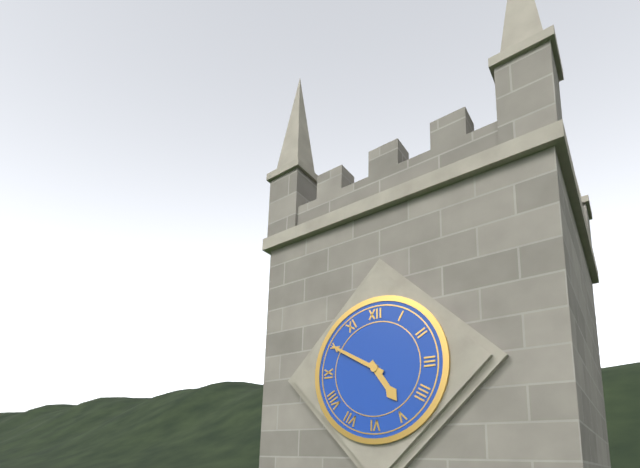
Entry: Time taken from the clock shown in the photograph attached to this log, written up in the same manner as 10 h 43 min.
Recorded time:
4 h 50 min
